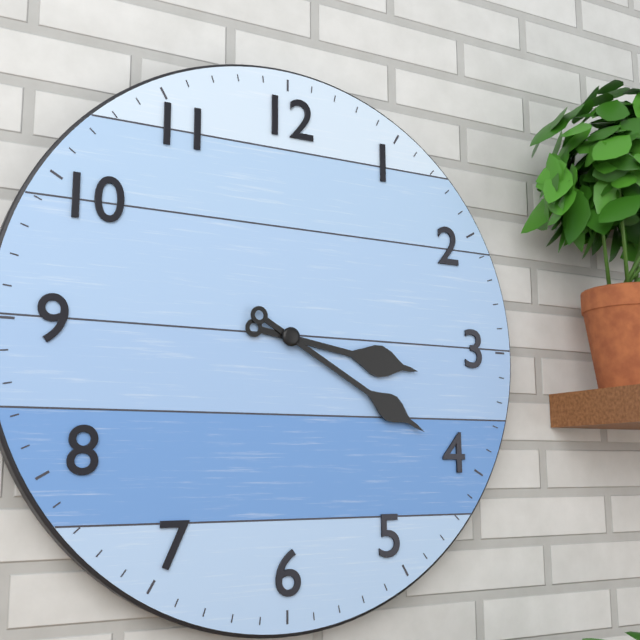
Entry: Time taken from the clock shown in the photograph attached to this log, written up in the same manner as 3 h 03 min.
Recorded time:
3 h 20 min
